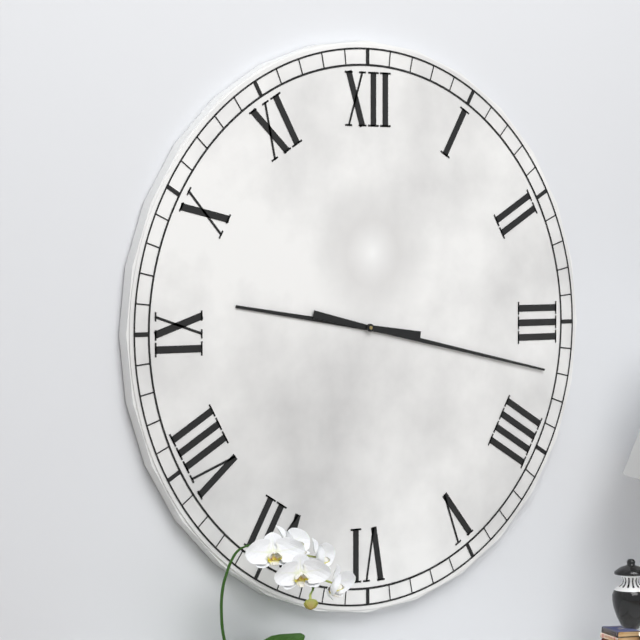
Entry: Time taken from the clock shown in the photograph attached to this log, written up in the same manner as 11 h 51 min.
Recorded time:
9 h 17 min
